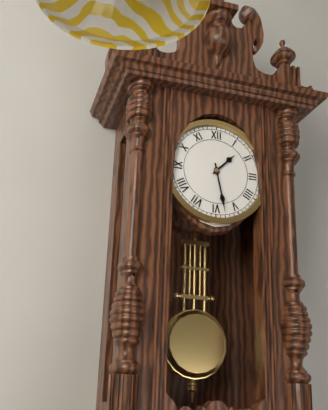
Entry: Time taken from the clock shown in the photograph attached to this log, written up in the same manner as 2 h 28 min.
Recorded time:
1 h 28 min
